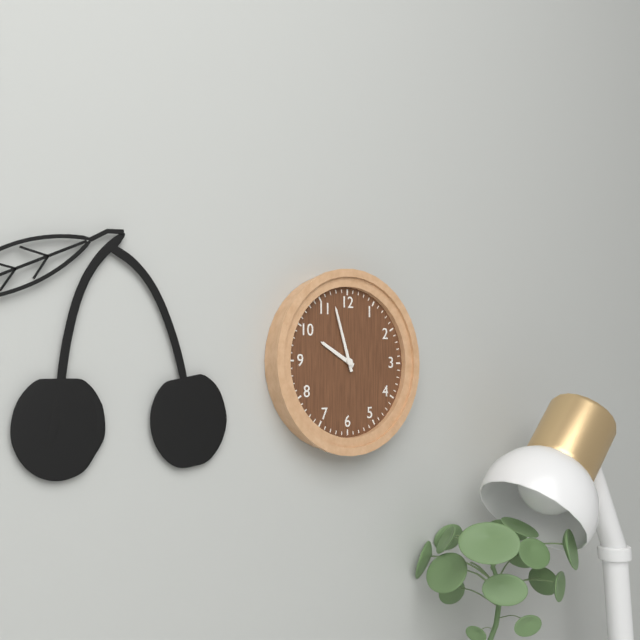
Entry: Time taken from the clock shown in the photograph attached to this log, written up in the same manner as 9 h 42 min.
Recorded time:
9 h 57 min
